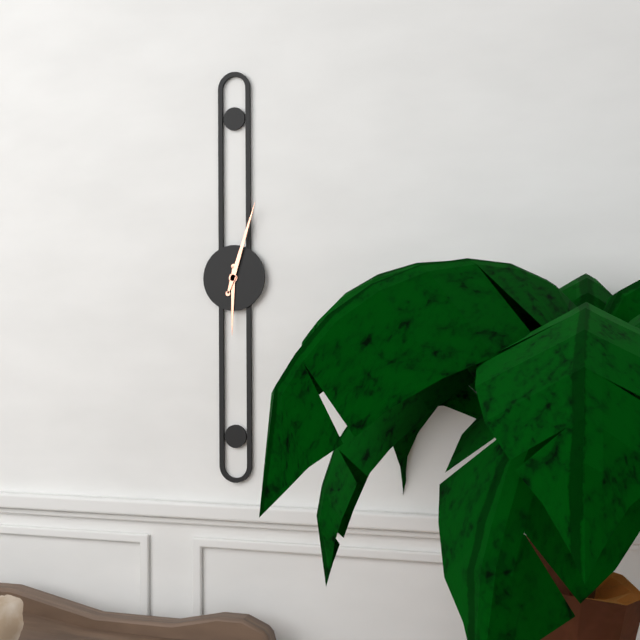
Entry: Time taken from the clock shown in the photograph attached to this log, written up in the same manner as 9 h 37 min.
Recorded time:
6 h 03 min
